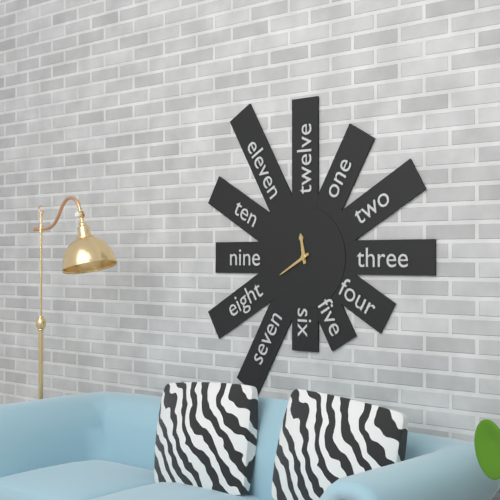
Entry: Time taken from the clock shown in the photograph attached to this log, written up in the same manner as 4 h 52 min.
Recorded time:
11 h 40 min
